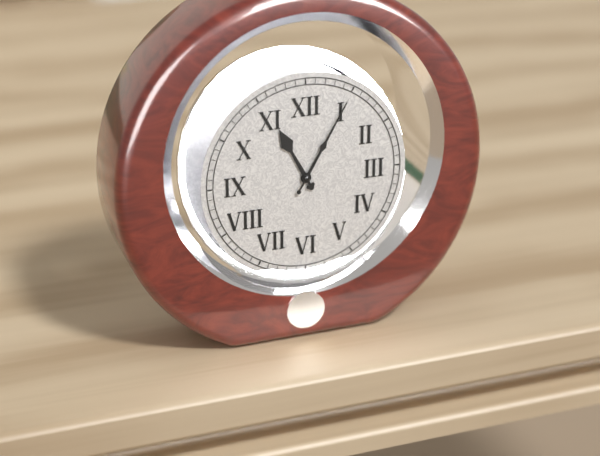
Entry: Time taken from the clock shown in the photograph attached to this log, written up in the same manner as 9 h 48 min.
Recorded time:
11 h 05 min
